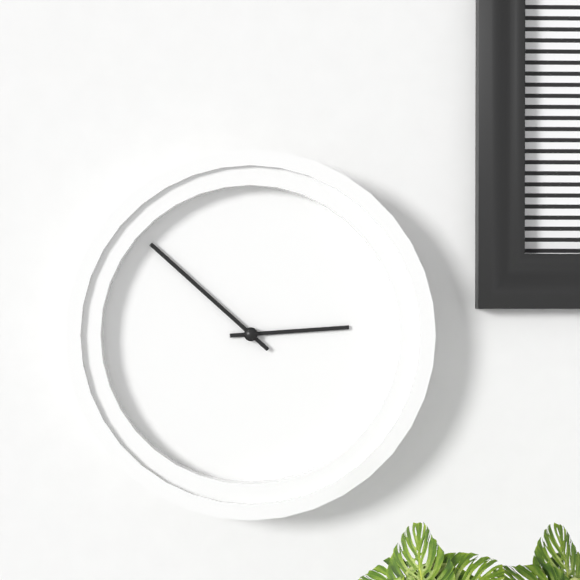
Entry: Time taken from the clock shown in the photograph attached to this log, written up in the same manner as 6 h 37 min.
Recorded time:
2 h 52 min
